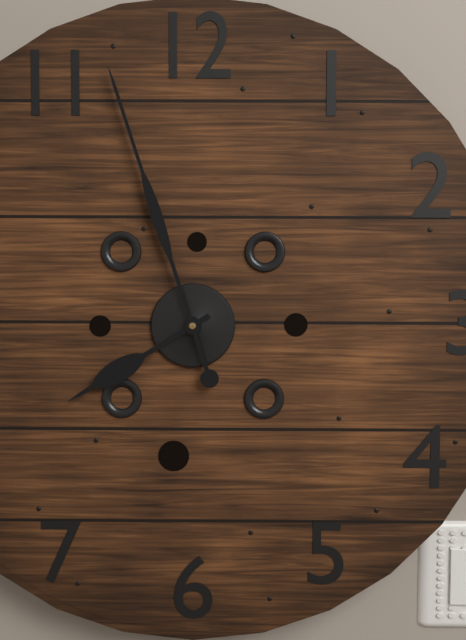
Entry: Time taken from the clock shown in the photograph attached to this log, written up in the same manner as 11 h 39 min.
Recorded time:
7 h 57 min
